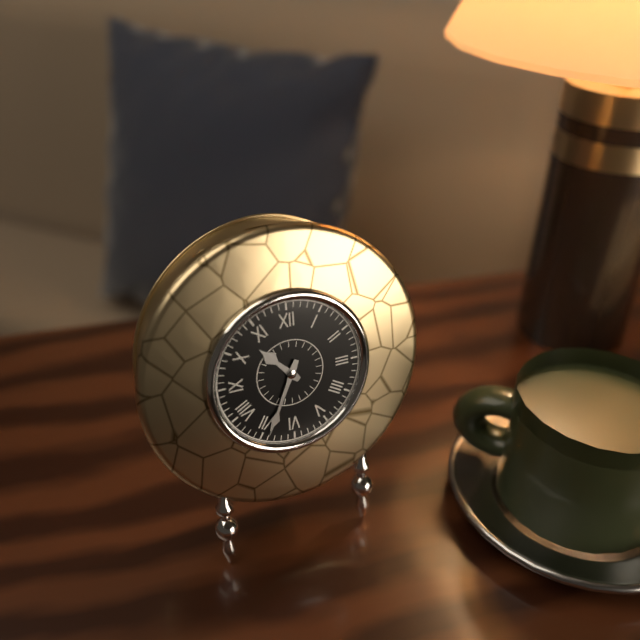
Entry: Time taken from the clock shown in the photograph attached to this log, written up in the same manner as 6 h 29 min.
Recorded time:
10 h 34 min
